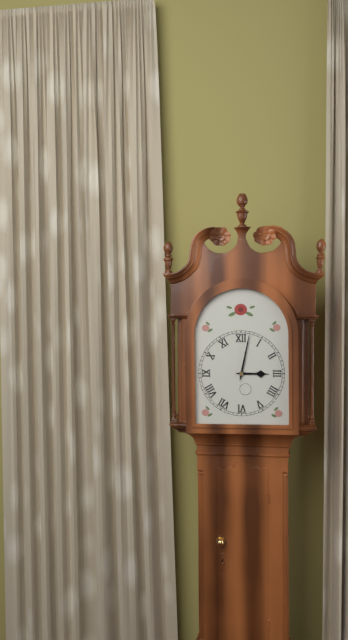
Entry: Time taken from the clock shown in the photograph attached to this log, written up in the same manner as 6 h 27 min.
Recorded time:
3 h 02 min
